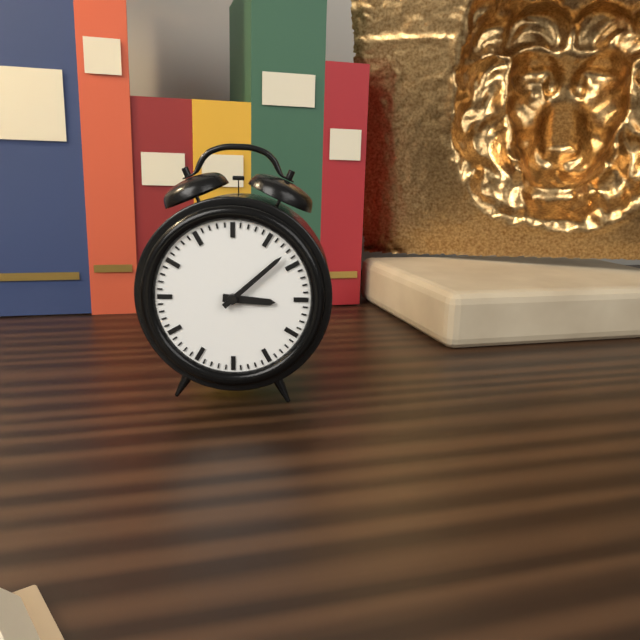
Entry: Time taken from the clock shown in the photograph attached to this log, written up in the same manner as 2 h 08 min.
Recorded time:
3 h 08 min
